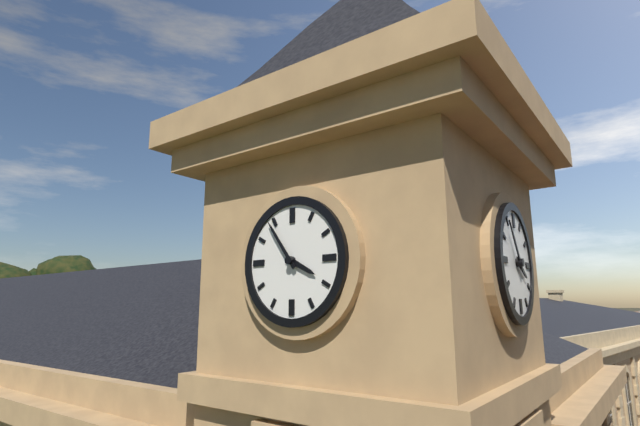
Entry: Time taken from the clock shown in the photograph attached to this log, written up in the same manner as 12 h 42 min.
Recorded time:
3 h 54 min
